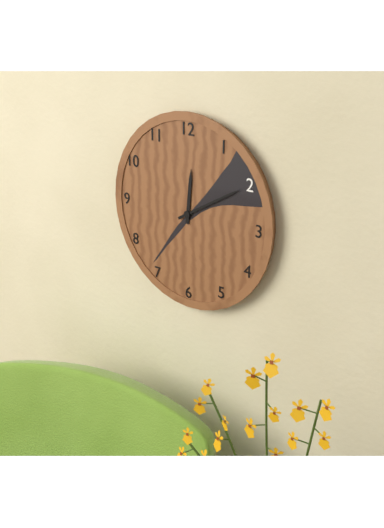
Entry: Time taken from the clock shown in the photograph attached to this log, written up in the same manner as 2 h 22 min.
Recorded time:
12 h 10 min
